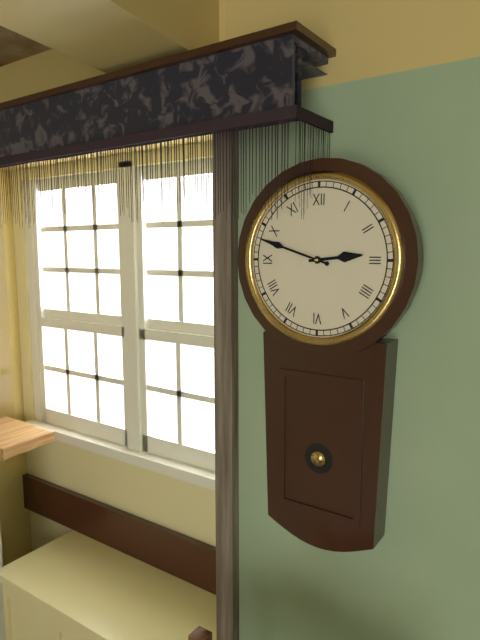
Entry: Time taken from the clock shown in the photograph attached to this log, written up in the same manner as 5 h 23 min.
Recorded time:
2 h 48 min
